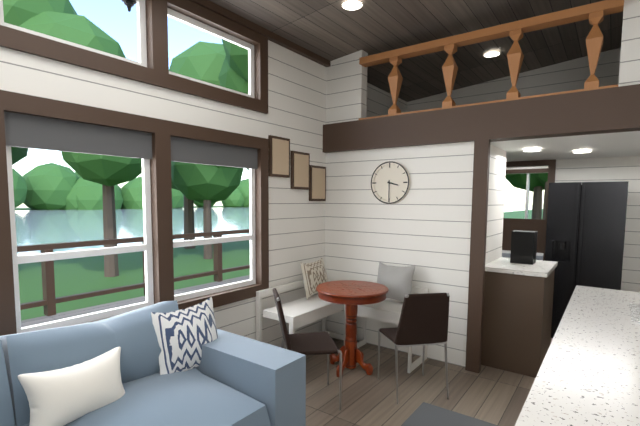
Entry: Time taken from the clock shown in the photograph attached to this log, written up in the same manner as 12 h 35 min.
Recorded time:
3 h 30 min
